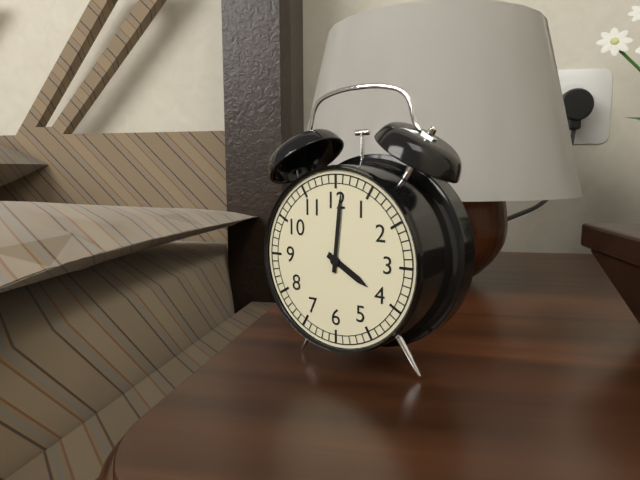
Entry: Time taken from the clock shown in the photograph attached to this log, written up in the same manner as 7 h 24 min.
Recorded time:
4 h 01 min
